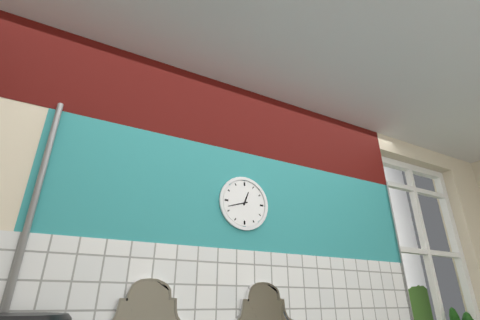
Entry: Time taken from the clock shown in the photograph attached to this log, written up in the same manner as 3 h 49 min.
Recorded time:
12 h 42 min
